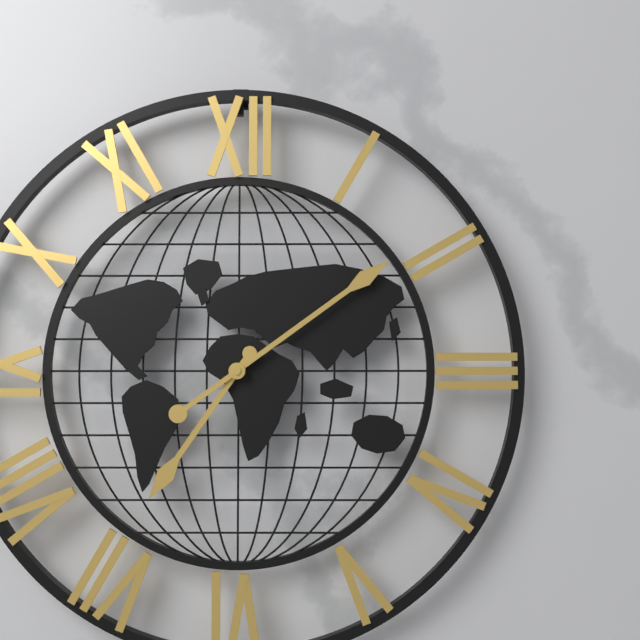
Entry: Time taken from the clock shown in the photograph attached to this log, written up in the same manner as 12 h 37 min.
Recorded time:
7 h 09 min
